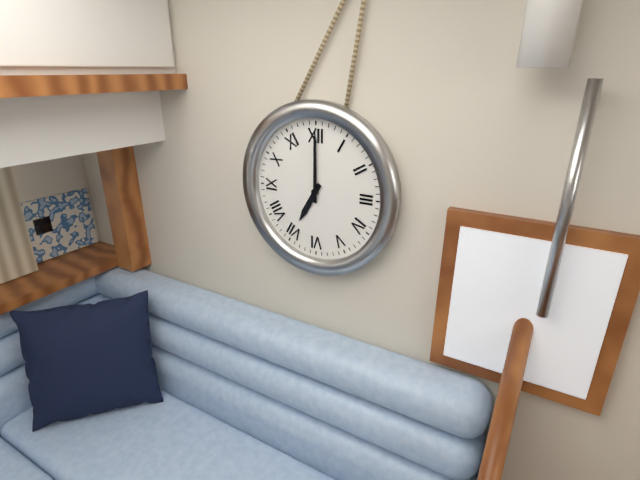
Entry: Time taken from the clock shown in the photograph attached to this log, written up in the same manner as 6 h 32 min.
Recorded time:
7 h 00 min
